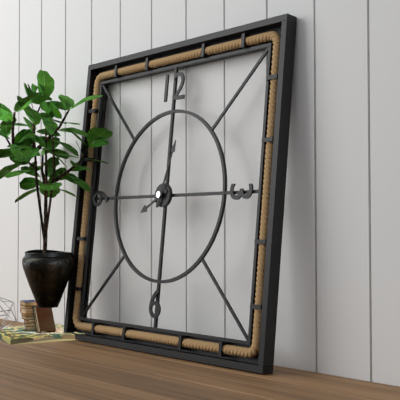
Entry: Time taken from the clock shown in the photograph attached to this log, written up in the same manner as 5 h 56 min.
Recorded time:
8 h 03 min
